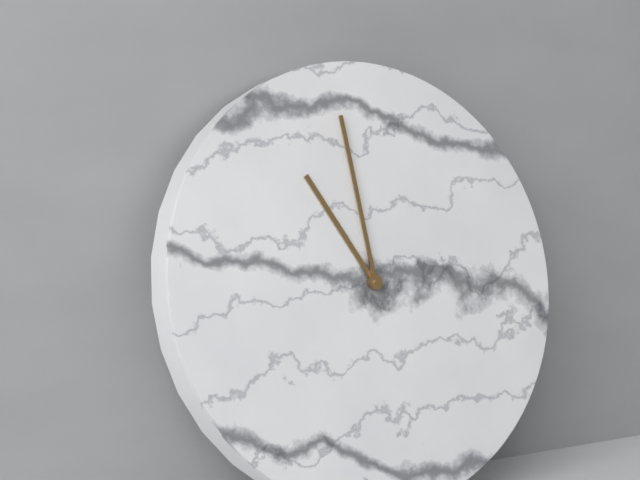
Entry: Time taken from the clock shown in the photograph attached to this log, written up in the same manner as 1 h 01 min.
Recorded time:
10 h 59 min
